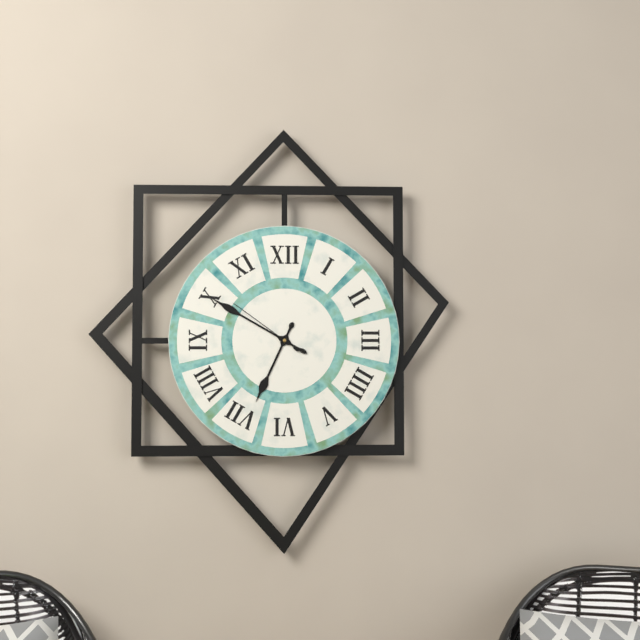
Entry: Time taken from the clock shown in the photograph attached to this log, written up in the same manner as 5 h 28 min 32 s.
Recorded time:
6 h 50 min 51 s
